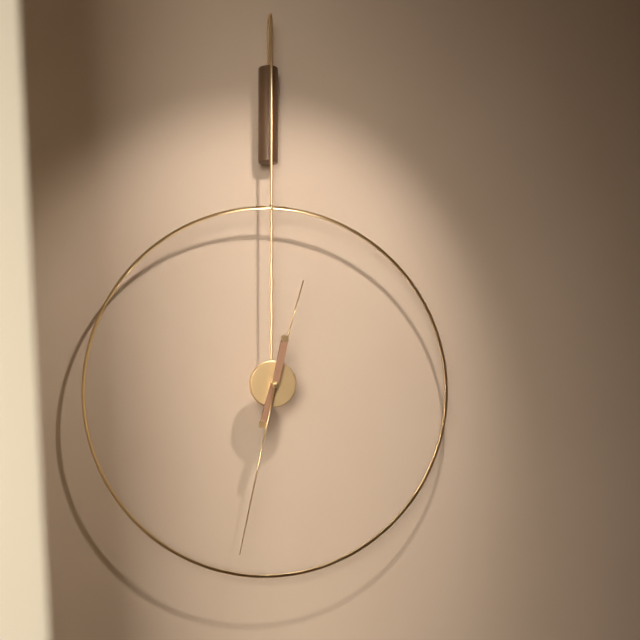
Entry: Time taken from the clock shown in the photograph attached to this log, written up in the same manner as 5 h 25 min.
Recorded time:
12 h 32 min
